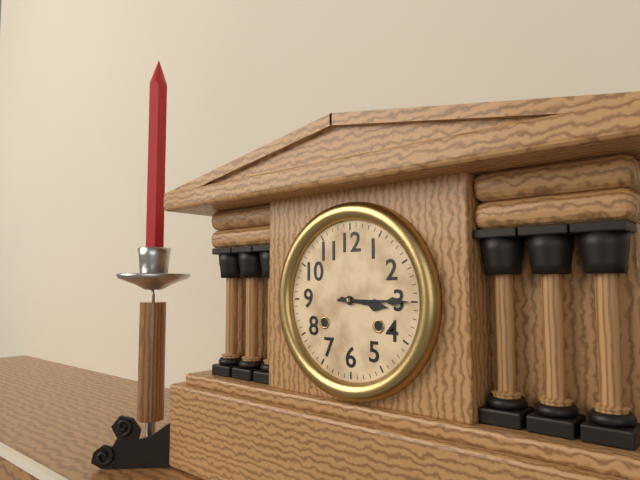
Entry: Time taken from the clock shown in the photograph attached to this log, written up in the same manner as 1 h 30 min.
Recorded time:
3 h 15 min
